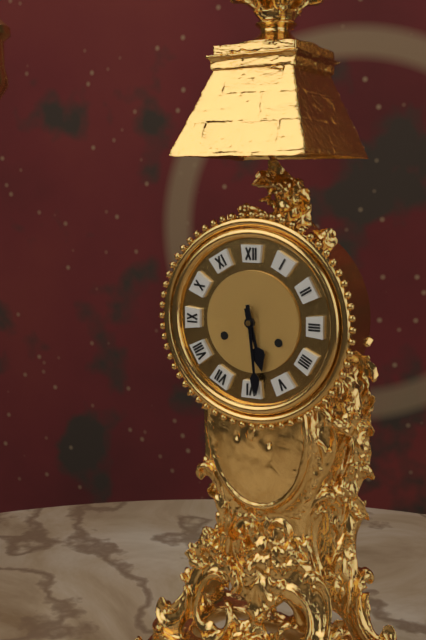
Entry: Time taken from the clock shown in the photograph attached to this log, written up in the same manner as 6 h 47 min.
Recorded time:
5 h 29 min
